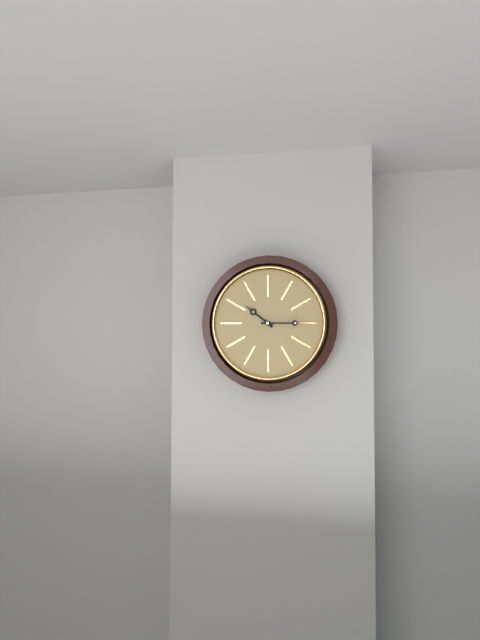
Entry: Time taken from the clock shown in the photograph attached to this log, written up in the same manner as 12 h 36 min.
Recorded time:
10 h 15 min
